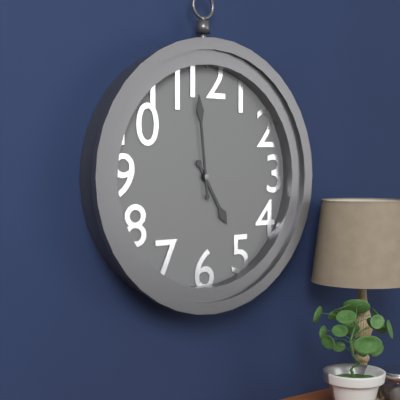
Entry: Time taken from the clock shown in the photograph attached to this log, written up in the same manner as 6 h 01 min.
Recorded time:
4 h 59 min
